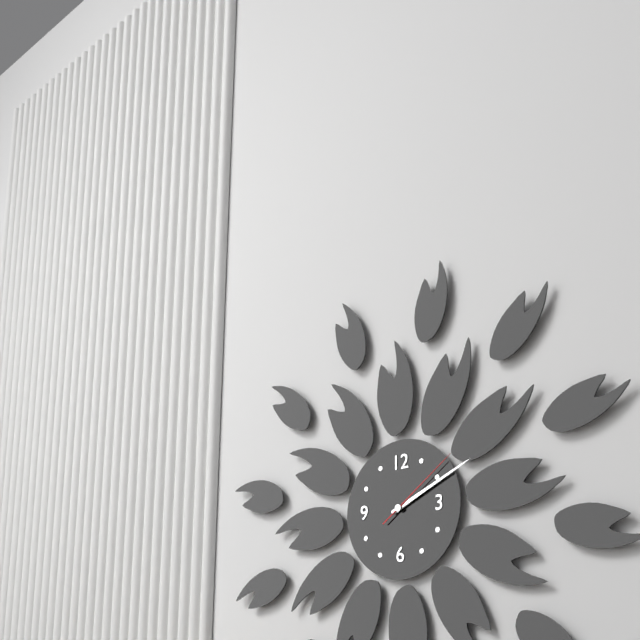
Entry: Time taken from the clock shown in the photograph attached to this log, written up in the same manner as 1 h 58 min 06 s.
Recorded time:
2 h 11 min 09 s
